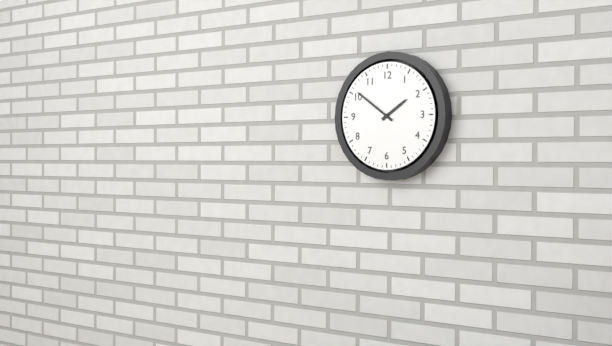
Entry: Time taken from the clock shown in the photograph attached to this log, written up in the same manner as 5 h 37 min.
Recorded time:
1 h 51 min
